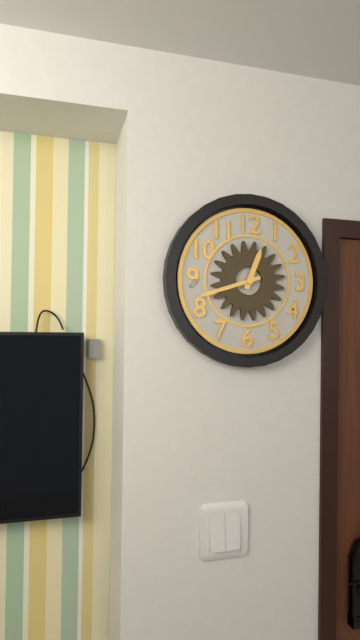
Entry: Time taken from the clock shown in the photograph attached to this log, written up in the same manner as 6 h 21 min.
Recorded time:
12 h 42 min
